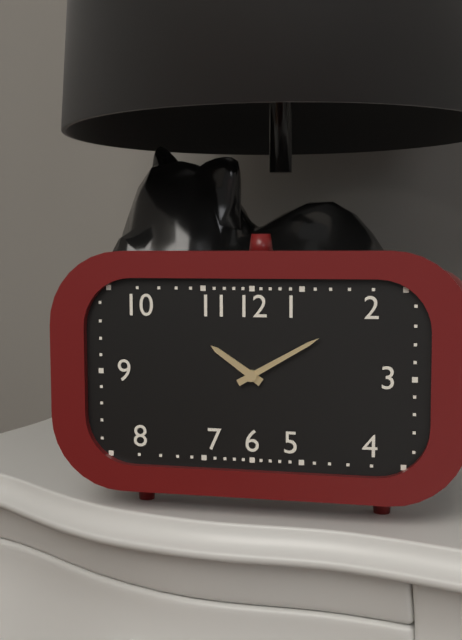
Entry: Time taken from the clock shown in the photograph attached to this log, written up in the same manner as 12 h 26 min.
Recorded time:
10 h 10 min
